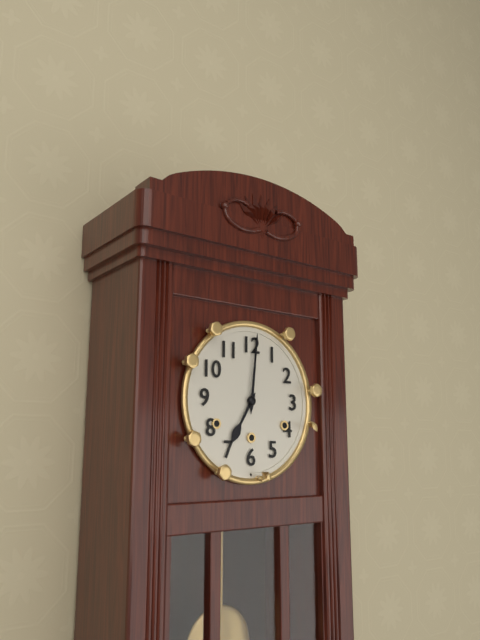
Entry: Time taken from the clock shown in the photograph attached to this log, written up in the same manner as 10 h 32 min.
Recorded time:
7 h 01 min
